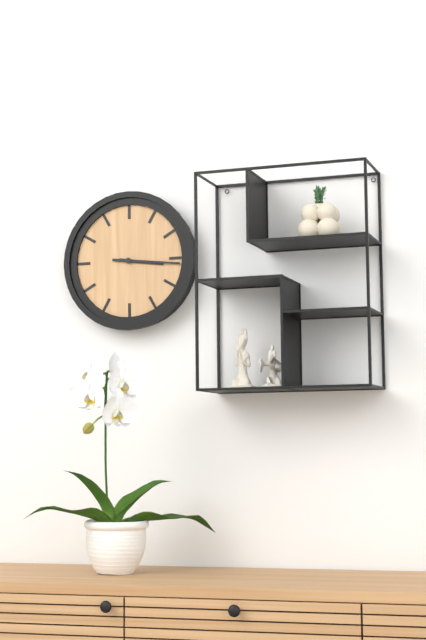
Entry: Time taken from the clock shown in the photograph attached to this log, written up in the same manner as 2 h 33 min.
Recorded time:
3 h 16 min
